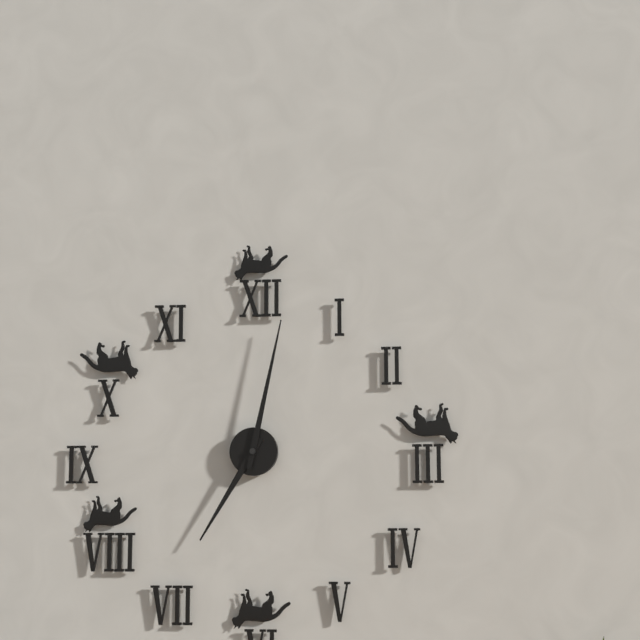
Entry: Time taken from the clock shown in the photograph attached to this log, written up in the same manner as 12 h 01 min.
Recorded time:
7 h 02 min
